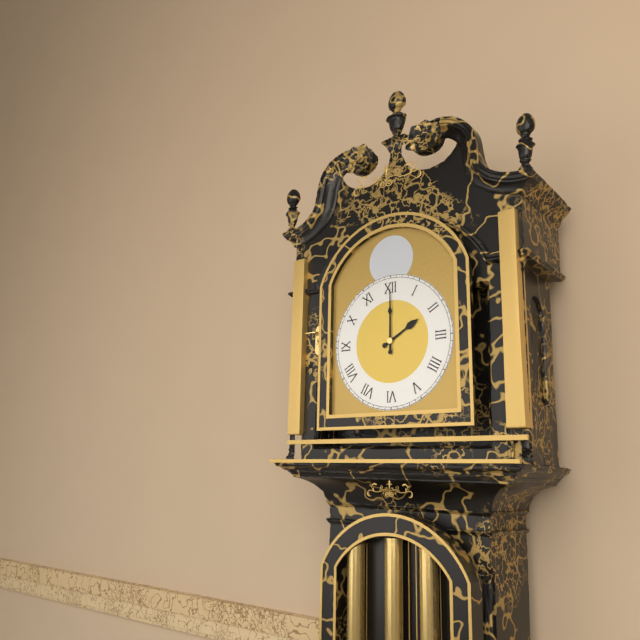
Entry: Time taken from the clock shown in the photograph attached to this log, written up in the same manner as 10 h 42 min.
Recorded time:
2 h 00 min
